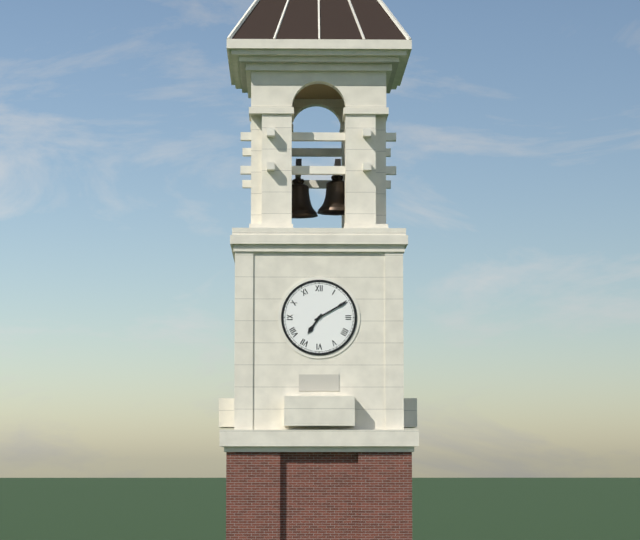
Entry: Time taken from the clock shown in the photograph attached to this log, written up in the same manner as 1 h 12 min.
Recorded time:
7 h 10 min
